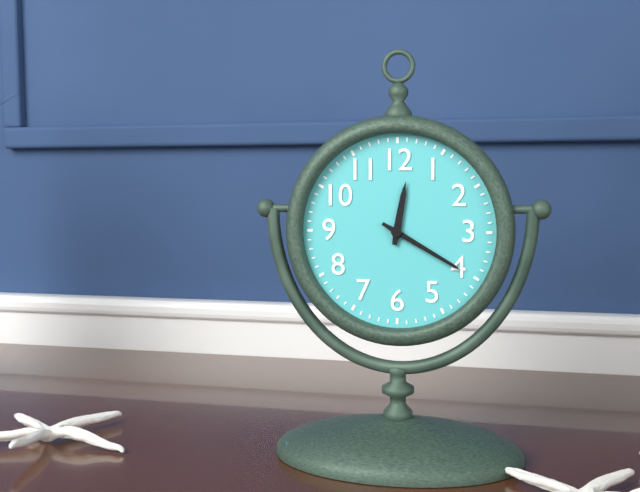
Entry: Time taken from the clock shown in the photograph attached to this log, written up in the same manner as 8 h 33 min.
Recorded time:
12 h 20 min
